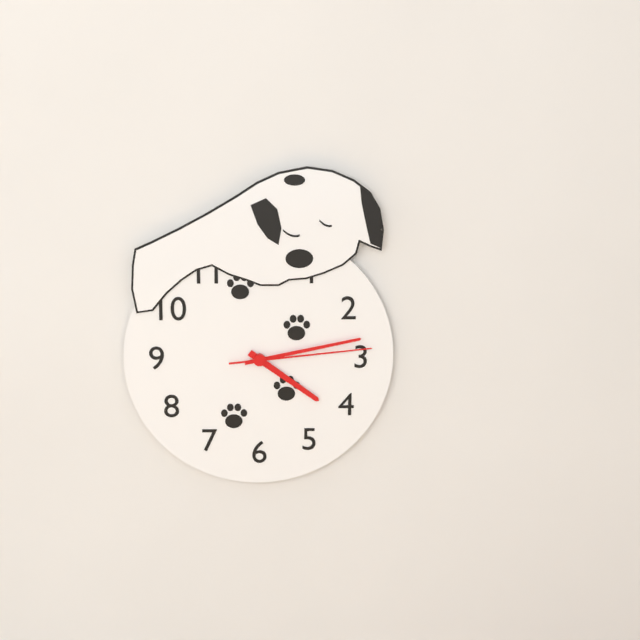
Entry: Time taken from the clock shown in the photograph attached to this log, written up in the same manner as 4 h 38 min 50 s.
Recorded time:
4 h 13 min 14 s
